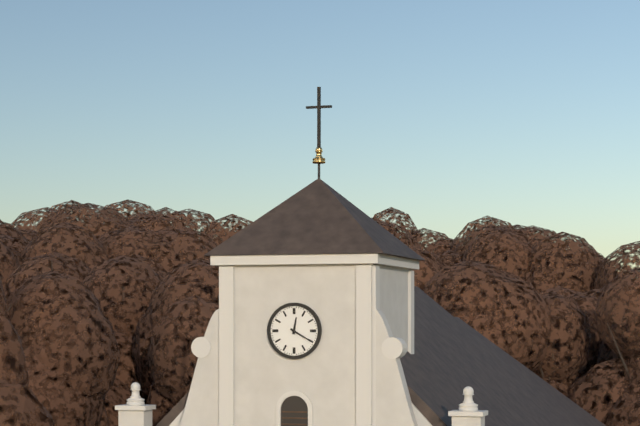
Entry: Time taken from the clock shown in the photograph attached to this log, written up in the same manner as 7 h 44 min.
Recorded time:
12 h 20 min
